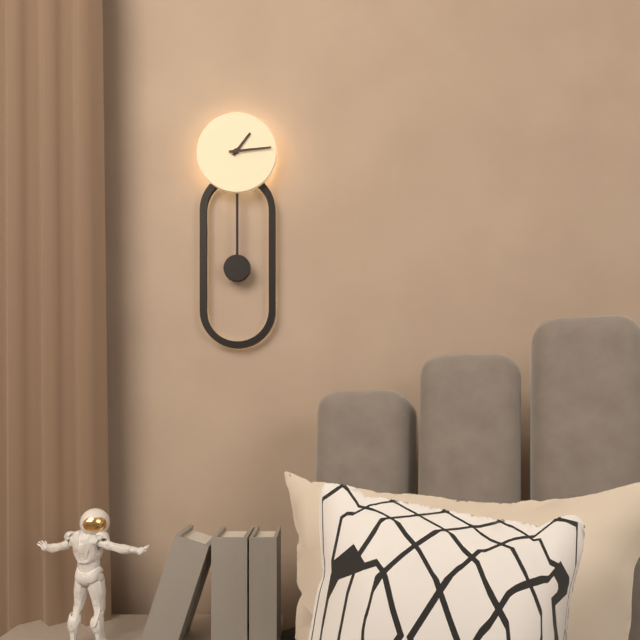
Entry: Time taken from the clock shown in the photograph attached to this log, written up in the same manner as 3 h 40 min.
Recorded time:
1 h 14 min
